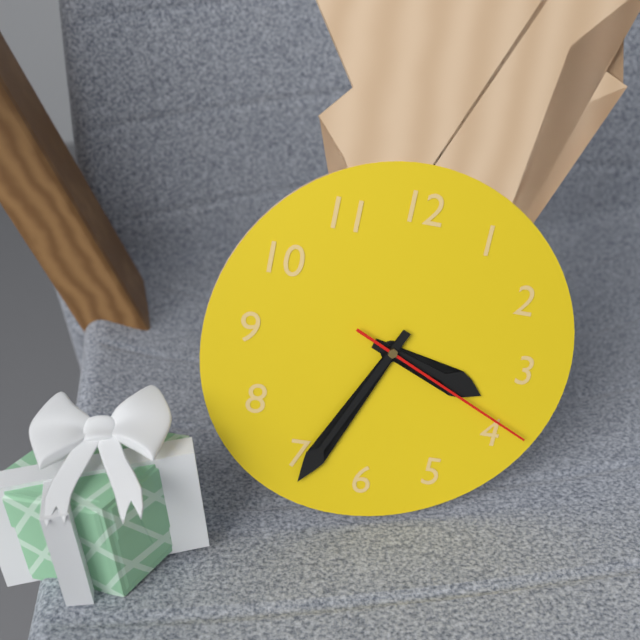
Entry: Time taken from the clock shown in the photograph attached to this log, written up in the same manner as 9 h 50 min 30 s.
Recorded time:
3 h 34 min 19 s
